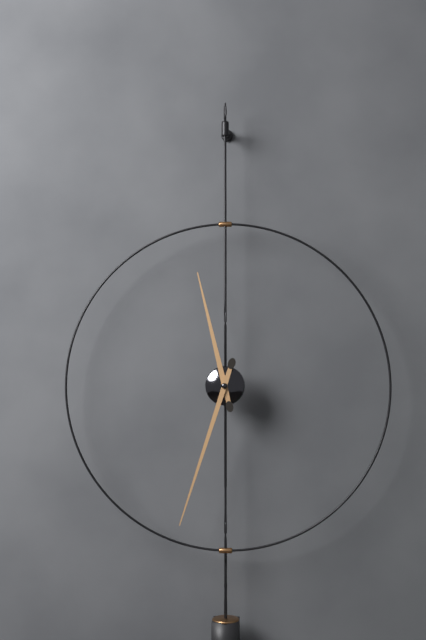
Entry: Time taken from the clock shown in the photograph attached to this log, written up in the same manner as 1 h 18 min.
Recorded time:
11 h 33 min
